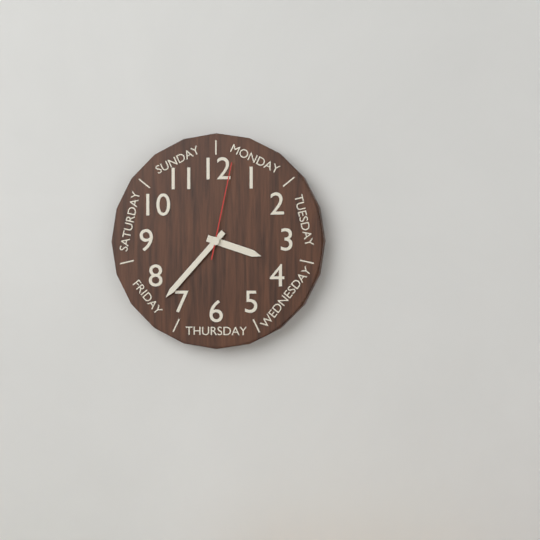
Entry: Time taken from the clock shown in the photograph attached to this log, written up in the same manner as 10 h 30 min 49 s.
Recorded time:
3 h 37 min 02 s
